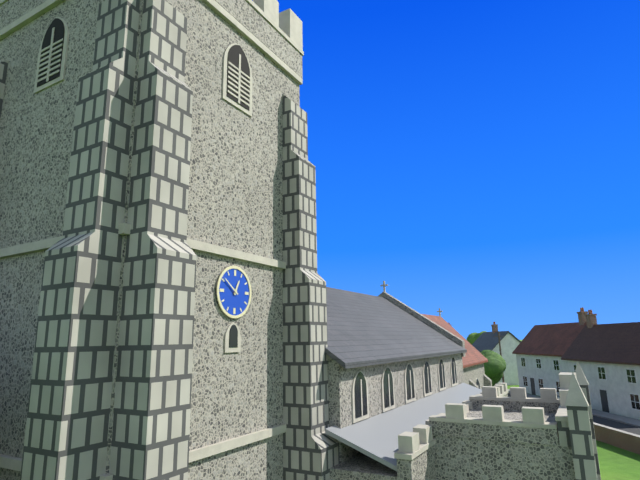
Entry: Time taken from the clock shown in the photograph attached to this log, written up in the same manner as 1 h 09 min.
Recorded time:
12 h 51 min
